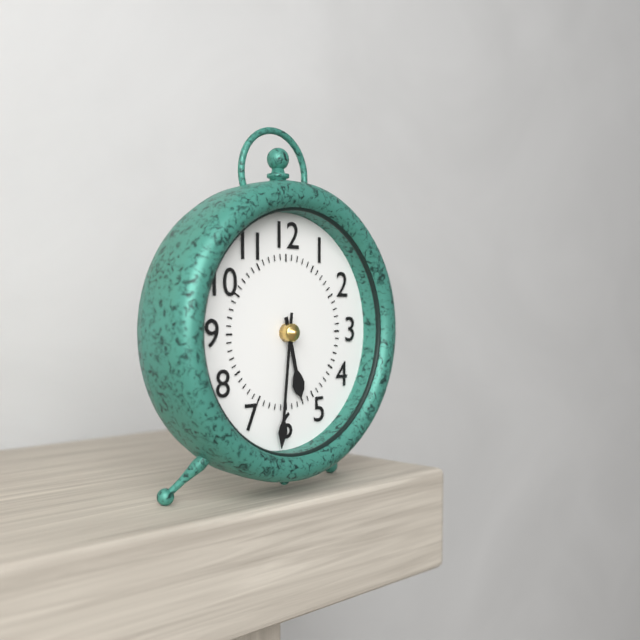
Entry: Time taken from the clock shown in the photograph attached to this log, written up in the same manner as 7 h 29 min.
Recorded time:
5 h 31 min
